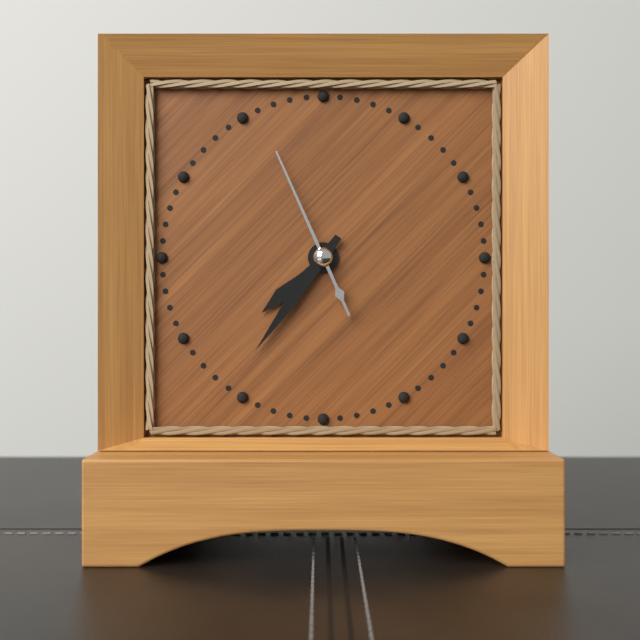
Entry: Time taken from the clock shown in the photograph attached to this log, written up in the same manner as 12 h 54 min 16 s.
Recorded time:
7 h 36 min 56 s
